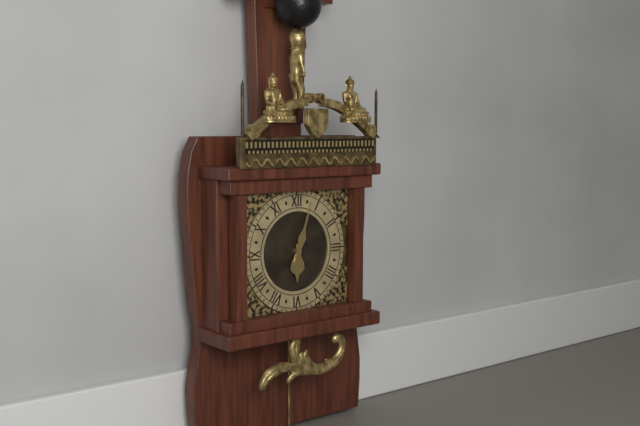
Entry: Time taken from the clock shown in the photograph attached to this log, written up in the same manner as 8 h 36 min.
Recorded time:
6 h 03 min
